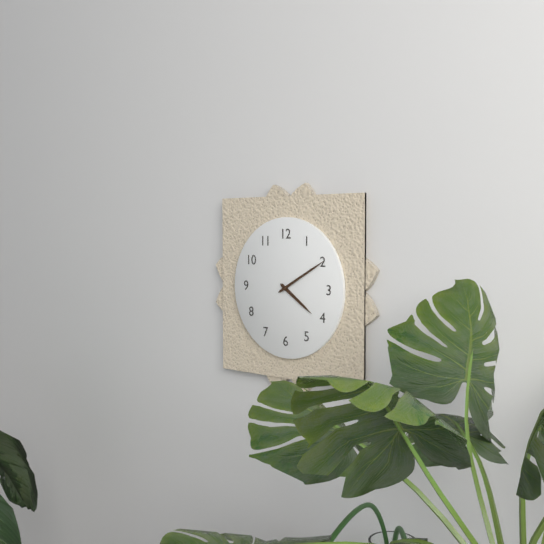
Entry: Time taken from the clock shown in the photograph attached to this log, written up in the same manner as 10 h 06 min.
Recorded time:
4 h 10 min
